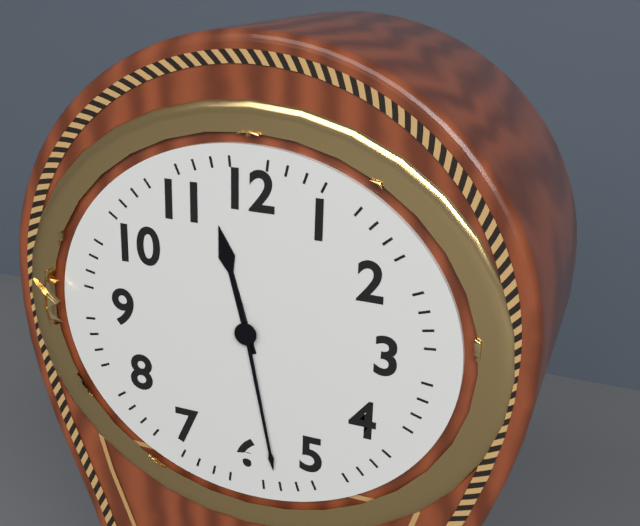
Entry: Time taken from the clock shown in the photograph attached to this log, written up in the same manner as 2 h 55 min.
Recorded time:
11 h 28 min
